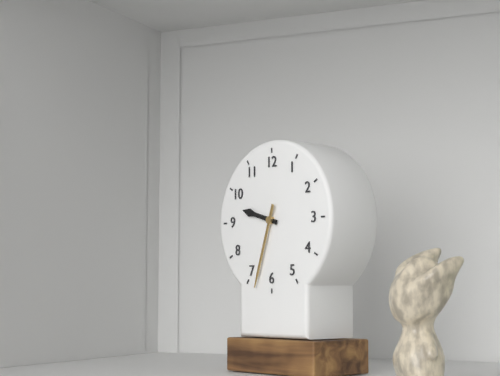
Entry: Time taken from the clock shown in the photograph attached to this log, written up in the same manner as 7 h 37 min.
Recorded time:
9 h 33 min
